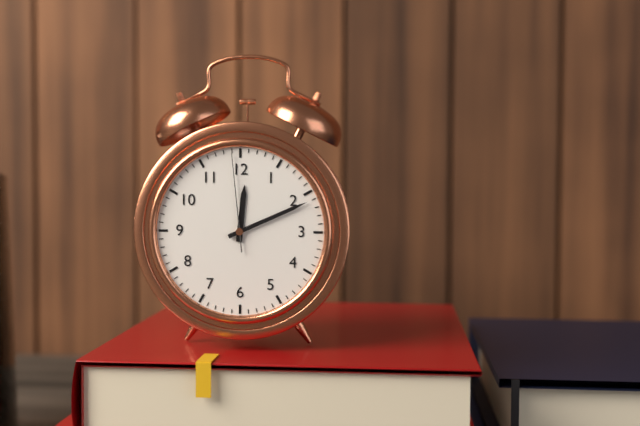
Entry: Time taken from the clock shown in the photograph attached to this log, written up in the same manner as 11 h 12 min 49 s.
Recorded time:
12 h 11 min 59 s
